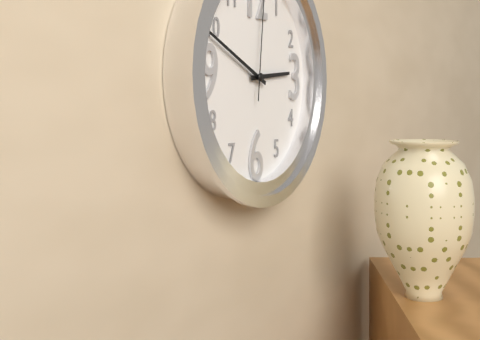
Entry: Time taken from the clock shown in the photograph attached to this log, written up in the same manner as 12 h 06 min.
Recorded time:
2 h 49 min
